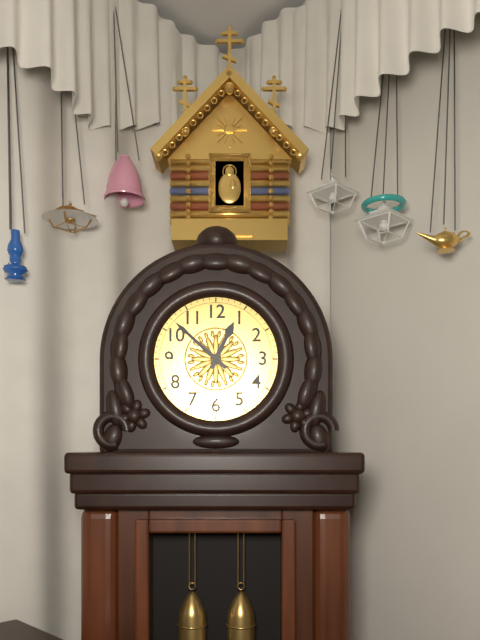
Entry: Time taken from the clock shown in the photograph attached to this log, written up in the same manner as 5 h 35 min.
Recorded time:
12 h 52 min
